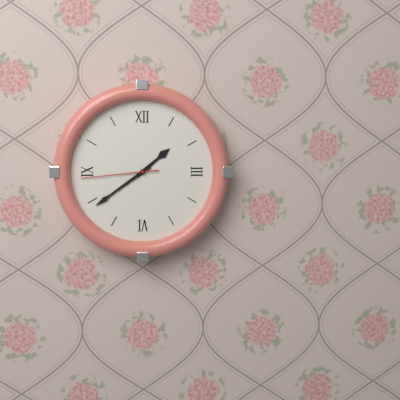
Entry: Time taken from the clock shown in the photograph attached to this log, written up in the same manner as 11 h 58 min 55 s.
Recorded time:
1 h 39 min 44 s
